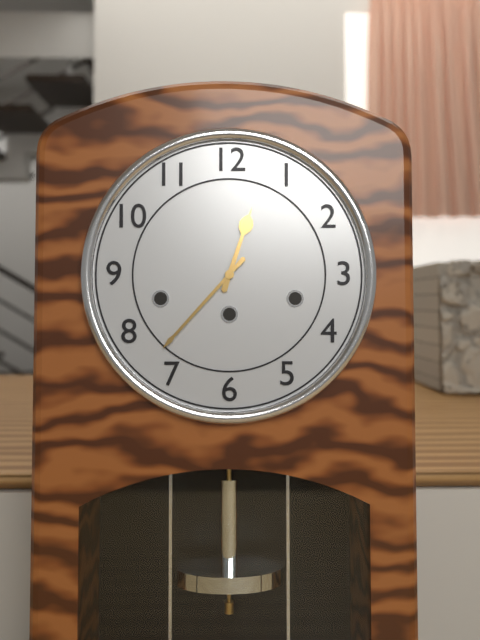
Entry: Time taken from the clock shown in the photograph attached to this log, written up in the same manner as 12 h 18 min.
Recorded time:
12 h 37 min
